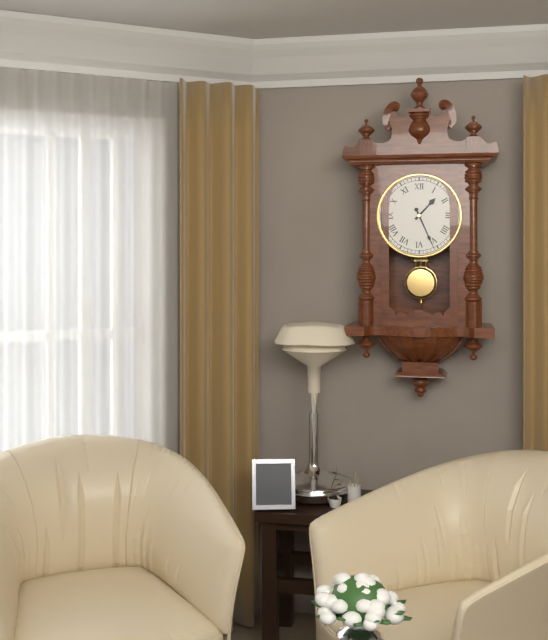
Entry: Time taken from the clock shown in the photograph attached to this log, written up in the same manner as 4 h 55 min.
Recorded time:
1 h 26 min
